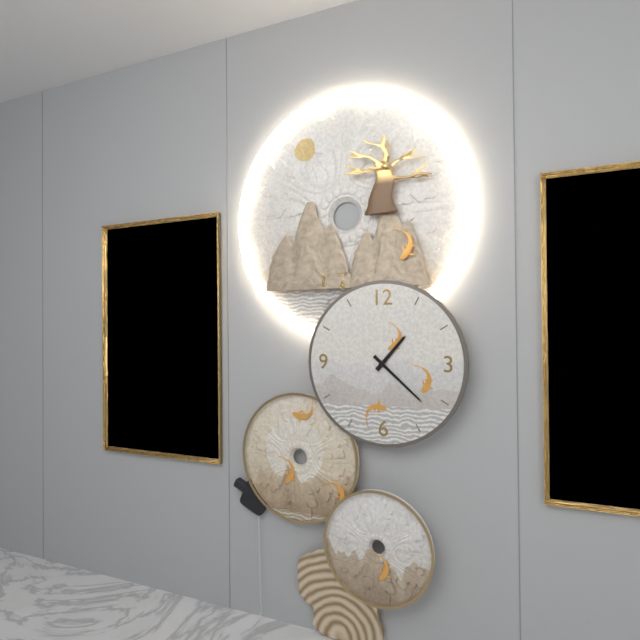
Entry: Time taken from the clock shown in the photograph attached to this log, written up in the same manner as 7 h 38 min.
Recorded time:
1 h 22 min
